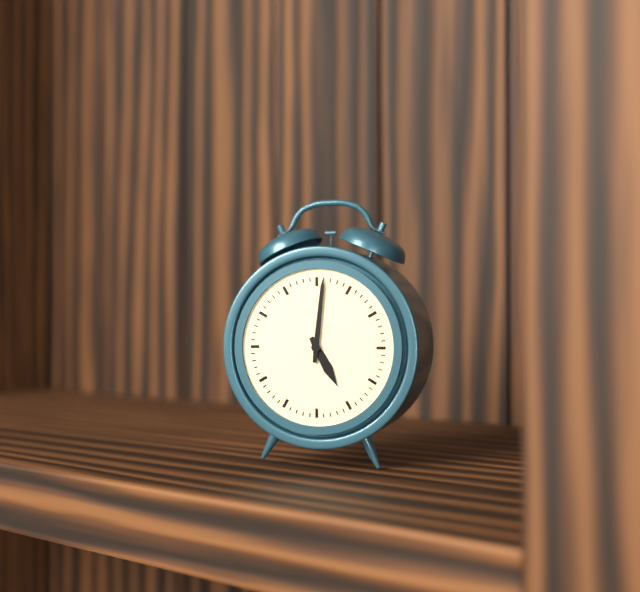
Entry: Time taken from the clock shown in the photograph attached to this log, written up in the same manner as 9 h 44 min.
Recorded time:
5 h 01 min
